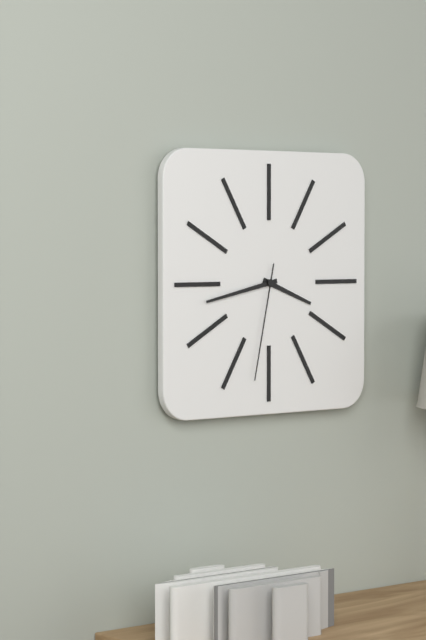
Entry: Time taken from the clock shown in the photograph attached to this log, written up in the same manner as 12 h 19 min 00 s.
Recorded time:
3 h 43 min 32 s
